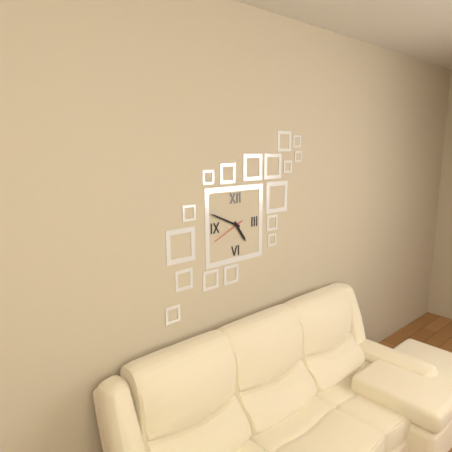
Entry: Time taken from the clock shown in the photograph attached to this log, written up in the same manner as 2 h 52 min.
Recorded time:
4 h 49 min
